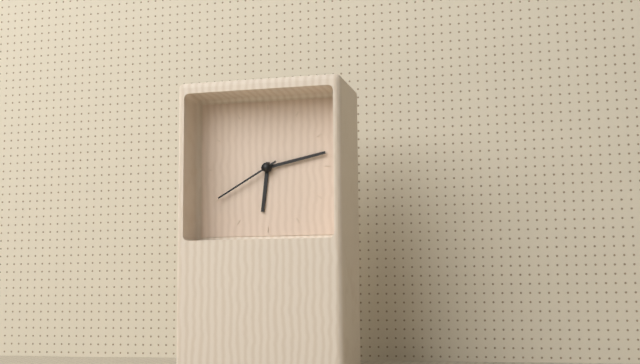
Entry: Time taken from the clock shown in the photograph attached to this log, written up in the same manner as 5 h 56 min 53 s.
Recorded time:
6 h 13 min 40 s
